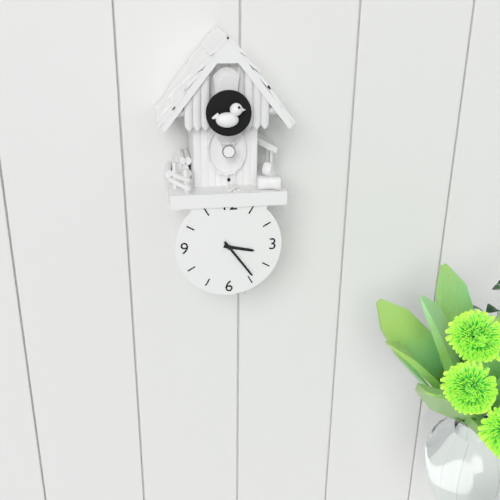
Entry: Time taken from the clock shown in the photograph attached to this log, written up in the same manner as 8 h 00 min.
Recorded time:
3 h 24 min
